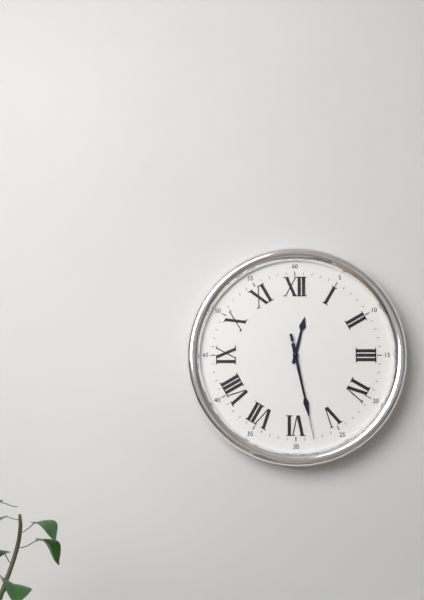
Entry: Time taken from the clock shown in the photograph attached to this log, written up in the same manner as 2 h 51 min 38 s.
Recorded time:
12 h 28 min 28 s
